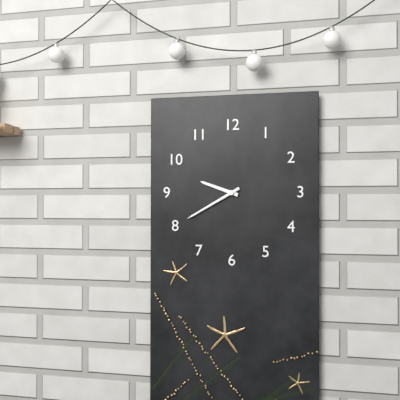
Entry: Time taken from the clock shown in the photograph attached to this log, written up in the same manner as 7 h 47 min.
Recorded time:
9 h 40 min
